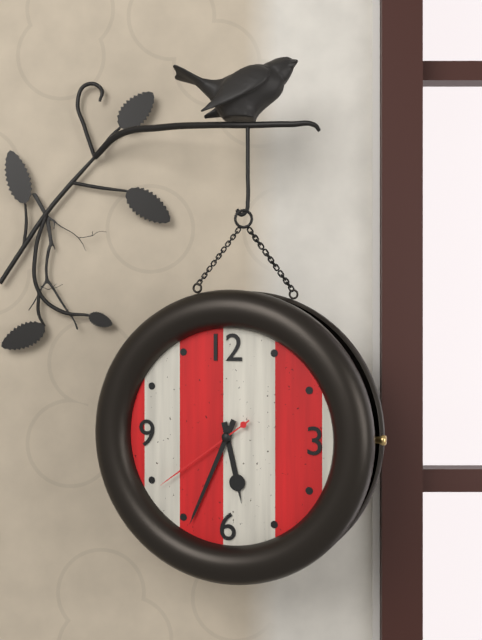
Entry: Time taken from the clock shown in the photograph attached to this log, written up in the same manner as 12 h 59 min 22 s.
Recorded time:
5 h 34 min 39 s
